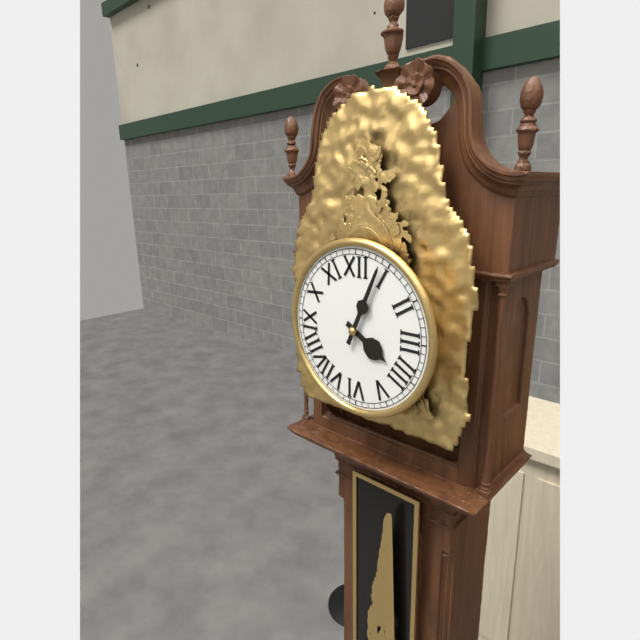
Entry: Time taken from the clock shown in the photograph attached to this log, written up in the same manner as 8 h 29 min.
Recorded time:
4 h 04 min
